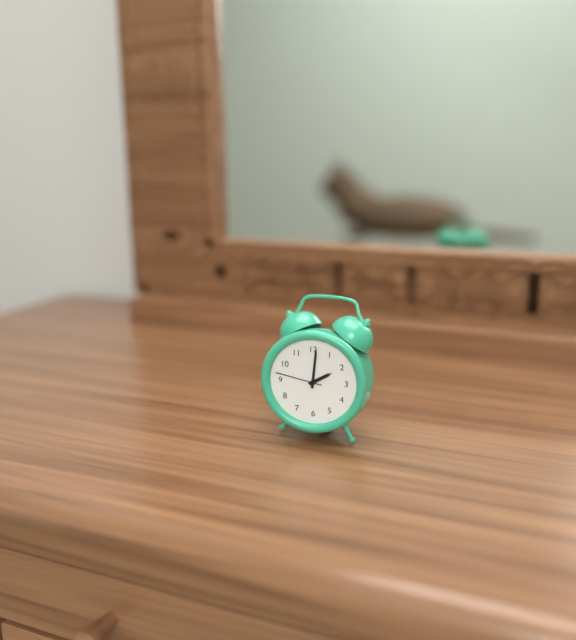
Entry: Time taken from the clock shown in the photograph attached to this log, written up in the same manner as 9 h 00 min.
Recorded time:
2 h 01 min
